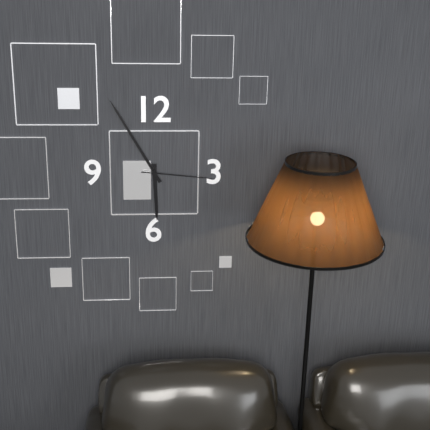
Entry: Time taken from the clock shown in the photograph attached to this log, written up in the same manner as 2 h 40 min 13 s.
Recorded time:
5 h 55 min 16 s
